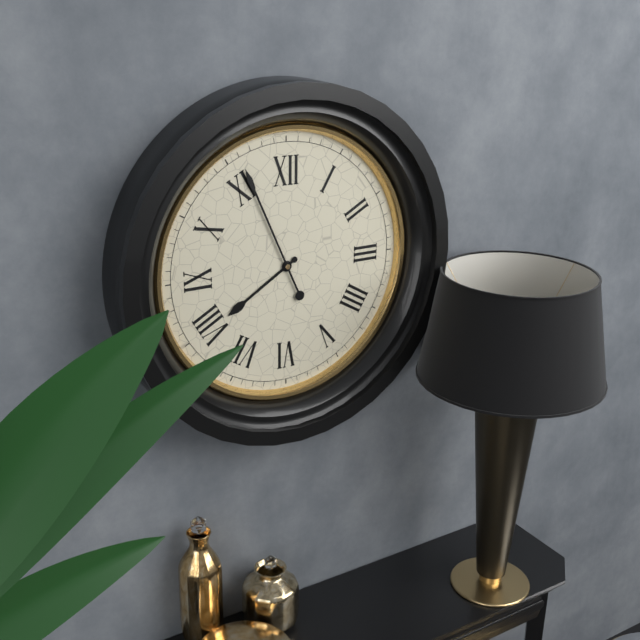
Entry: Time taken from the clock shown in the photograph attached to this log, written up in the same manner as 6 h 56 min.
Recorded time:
7 h 56 min
